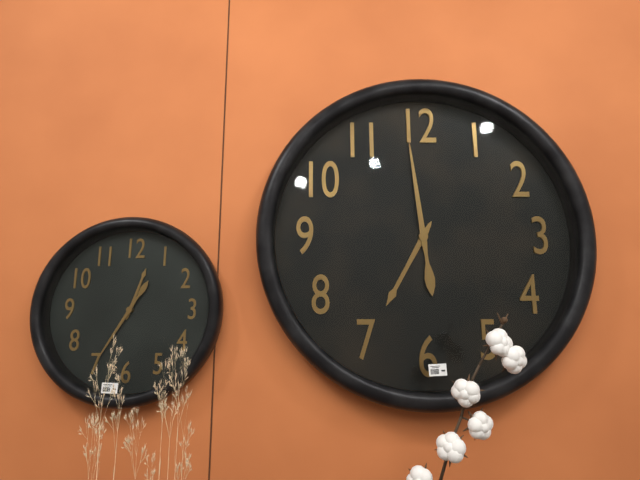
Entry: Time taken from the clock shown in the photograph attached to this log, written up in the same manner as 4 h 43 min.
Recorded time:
6 h 59 min
